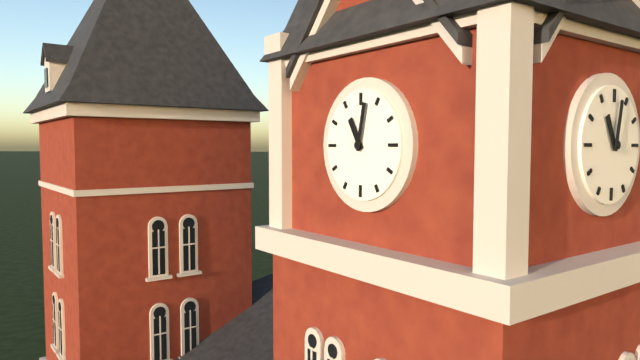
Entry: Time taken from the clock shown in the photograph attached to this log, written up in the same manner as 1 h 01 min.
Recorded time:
11 h 02 min
